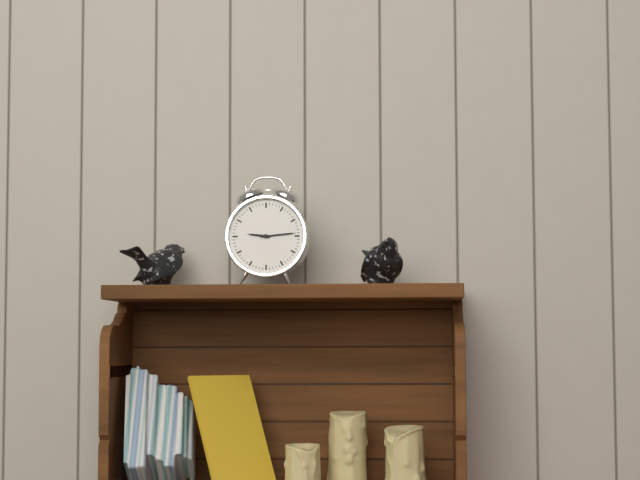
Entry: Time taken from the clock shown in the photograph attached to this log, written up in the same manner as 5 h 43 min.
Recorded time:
9 h 14 min
